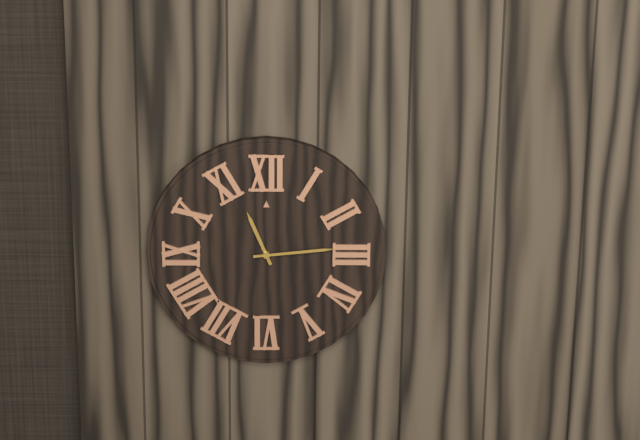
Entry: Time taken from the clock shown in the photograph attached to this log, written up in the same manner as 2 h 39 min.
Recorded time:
11 h 14 min
